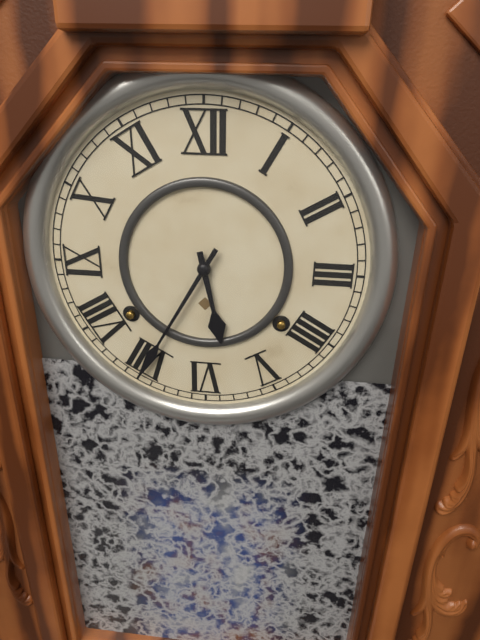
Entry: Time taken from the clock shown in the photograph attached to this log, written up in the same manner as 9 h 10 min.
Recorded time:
5 h 35 min
